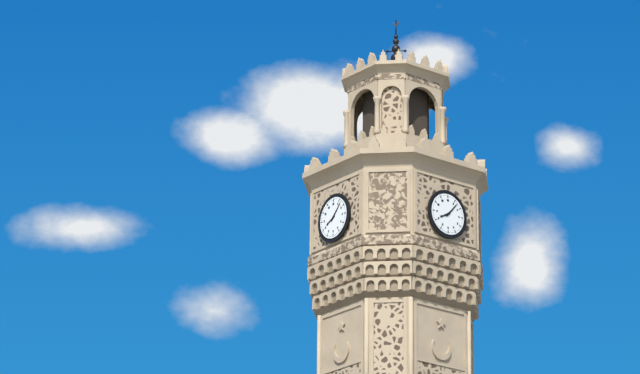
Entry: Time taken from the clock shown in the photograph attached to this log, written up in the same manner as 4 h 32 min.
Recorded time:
8 h 07 min
